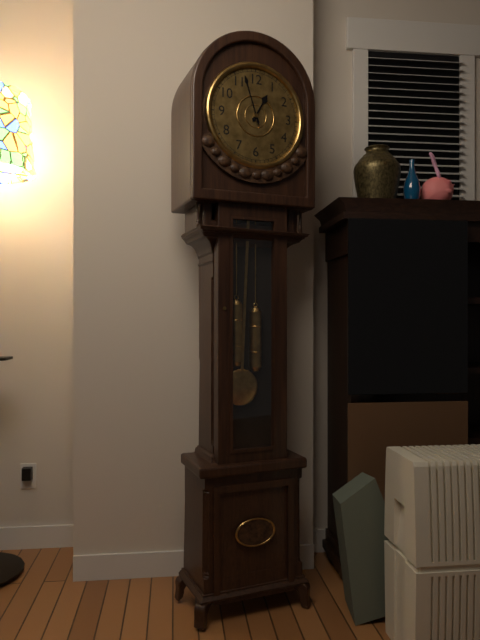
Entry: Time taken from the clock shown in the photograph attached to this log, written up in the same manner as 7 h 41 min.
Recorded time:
12 h 57 min
